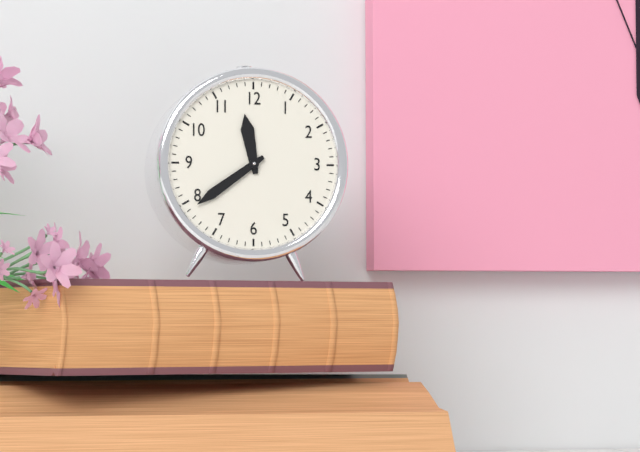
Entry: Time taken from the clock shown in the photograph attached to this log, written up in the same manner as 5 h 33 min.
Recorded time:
11 h 39 min
